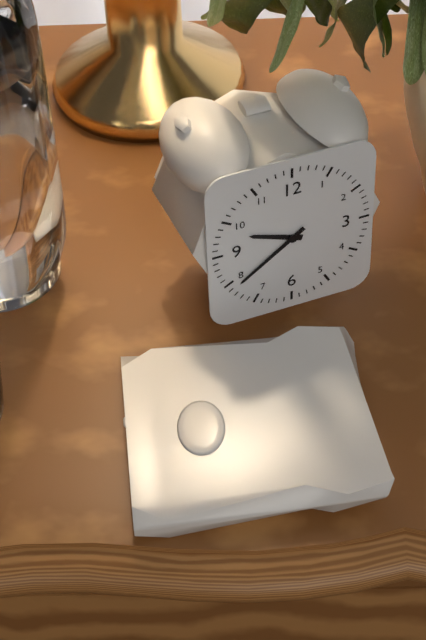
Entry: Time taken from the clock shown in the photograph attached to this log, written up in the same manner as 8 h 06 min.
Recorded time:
9 h 39 min
